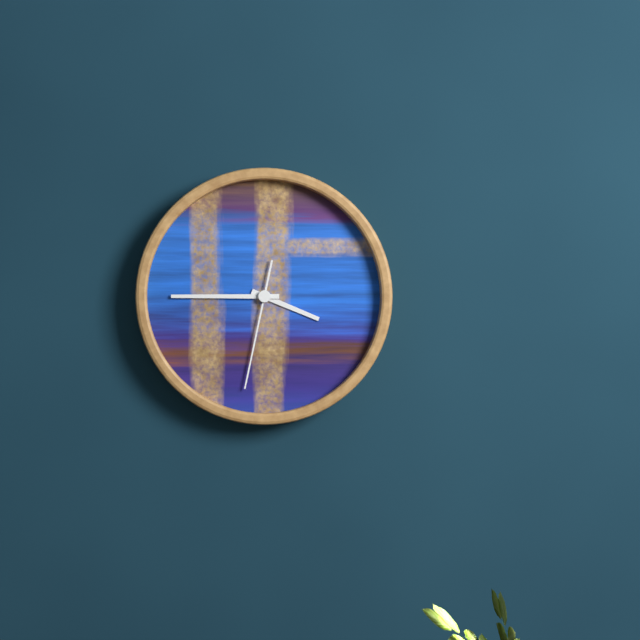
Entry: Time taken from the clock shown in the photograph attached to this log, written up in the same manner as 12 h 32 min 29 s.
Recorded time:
3 h 45 min 32 s
